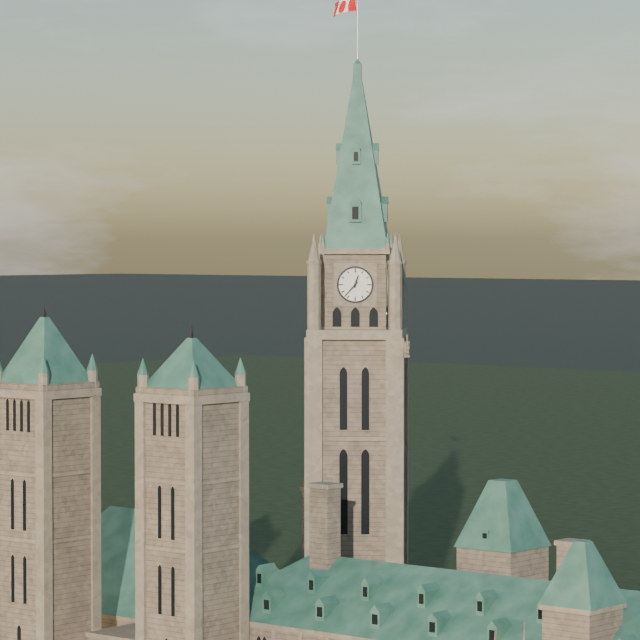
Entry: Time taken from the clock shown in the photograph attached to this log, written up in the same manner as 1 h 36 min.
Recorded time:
12 h 37 min
